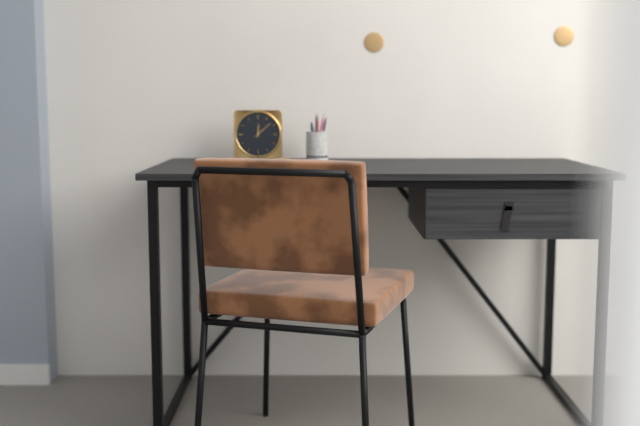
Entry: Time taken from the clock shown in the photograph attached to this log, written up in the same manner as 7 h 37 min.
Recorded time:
12 h 08 min
